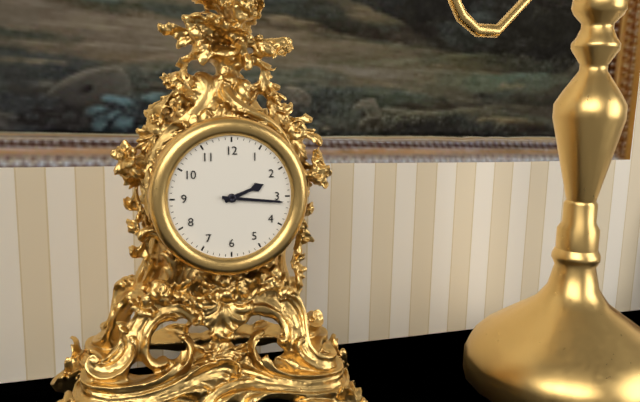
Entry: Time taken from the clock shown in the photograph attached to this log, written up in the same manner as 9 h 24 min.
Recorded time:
2 h 16 min
